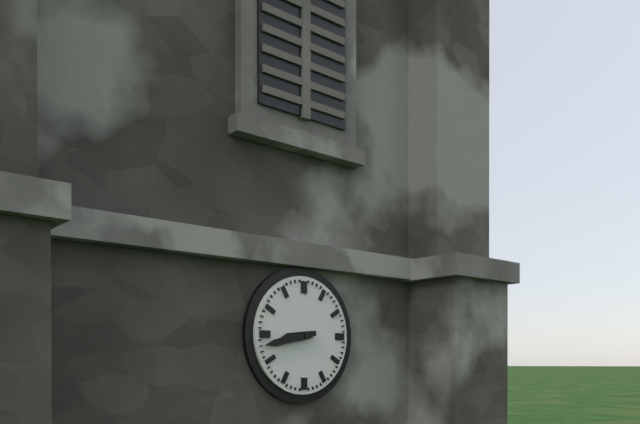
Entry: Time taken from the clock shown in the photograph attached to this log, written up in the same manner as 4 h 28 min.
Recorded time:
8 h 43 min
